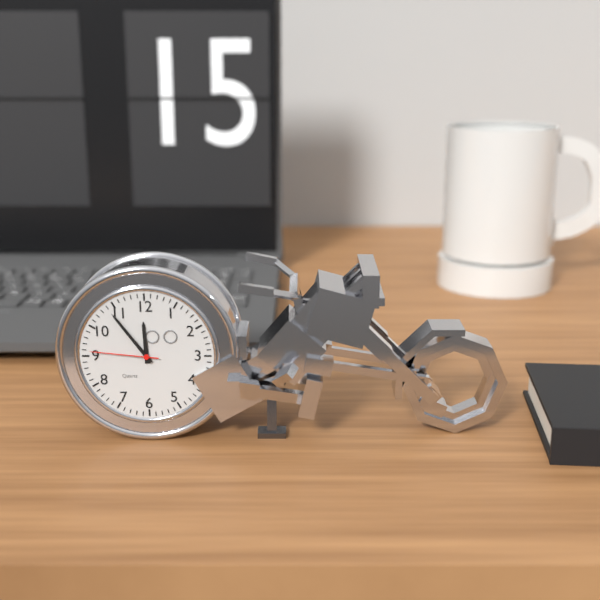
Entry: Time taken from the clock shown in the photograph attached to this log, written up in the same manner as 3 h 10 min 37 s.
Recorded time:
11 h 54 min 46 s
